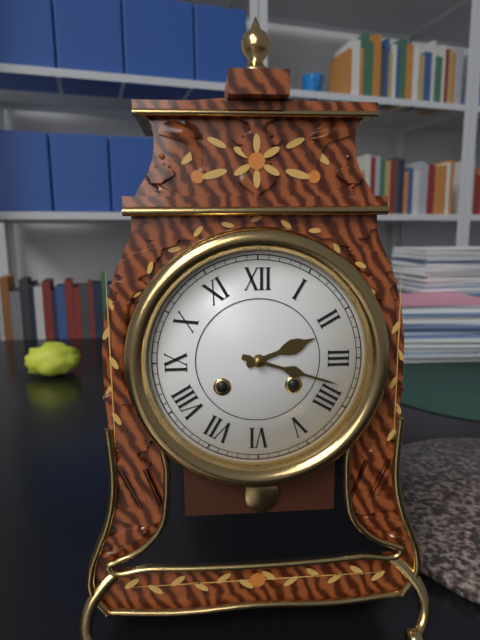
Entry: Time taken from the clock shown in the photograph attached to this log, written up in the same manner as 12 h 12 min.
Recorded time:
2 h 18 min
